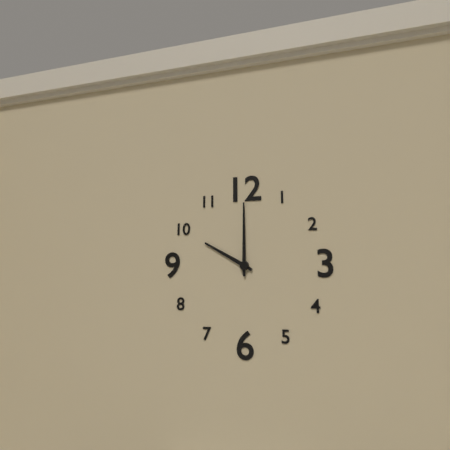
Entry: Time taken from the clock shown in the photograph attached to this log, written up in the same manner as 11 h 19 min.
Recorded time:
10 h 00 min
